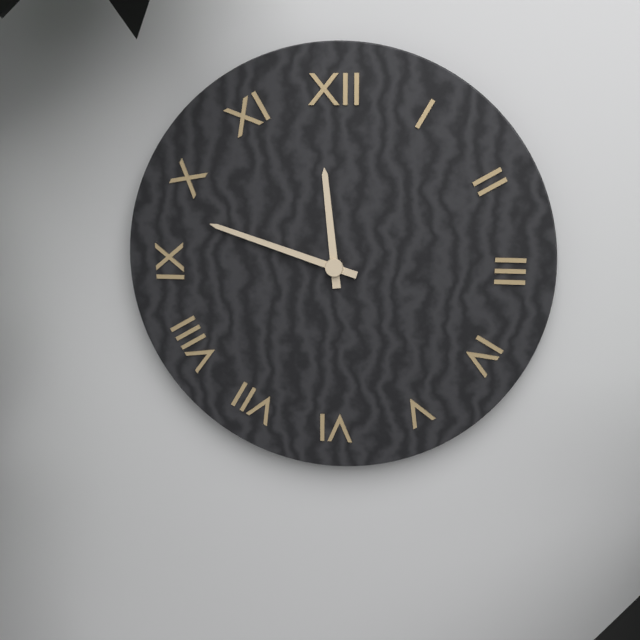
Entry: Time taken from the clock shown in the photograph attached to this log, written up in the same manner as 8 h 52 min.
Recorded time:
11 h 48 min
